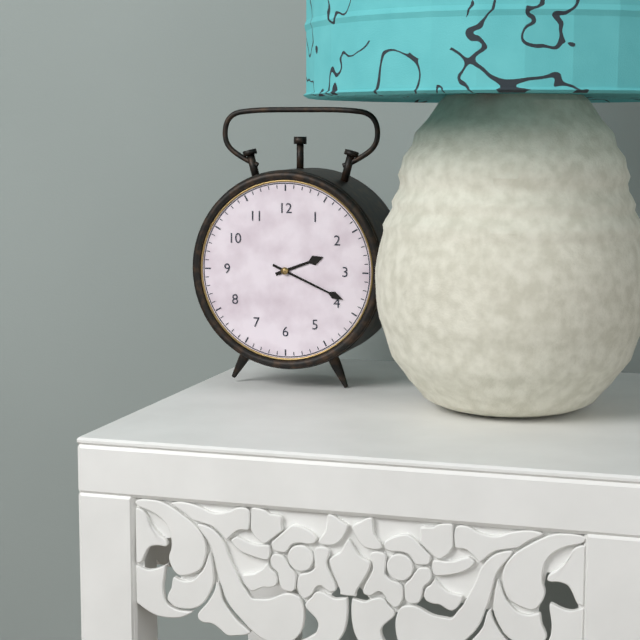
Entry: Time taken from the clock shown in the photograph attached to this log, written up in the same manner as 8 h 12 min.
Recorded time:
2 h 19 min
